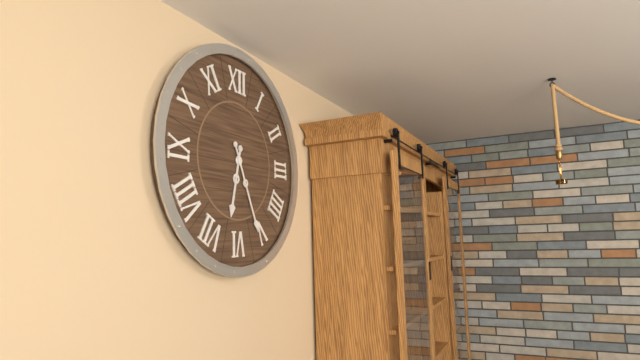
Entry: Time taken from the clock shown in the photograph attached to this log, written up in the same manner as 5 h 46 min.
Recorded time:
6 h 26 min
